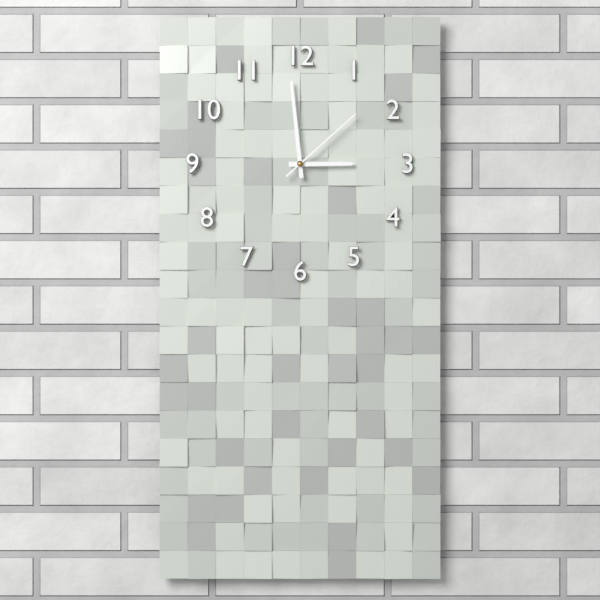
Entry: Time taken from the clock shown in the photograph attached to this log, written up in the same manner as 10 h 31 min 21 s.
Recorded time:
2 h 59 min 08 s
